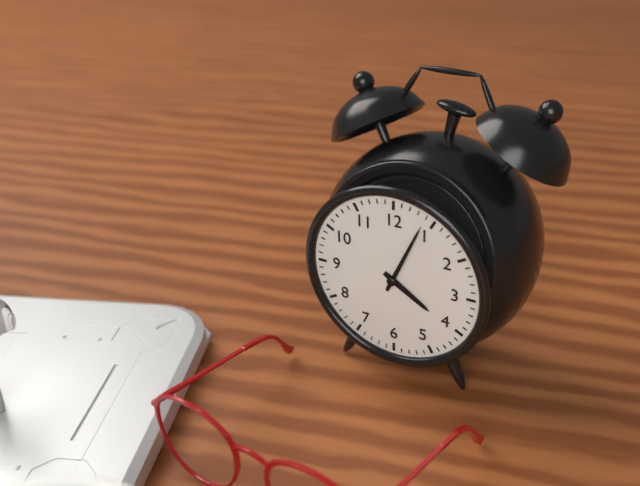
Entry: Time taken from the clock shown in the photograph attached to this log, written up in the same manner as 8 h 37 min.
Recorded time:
4 h 04 min
